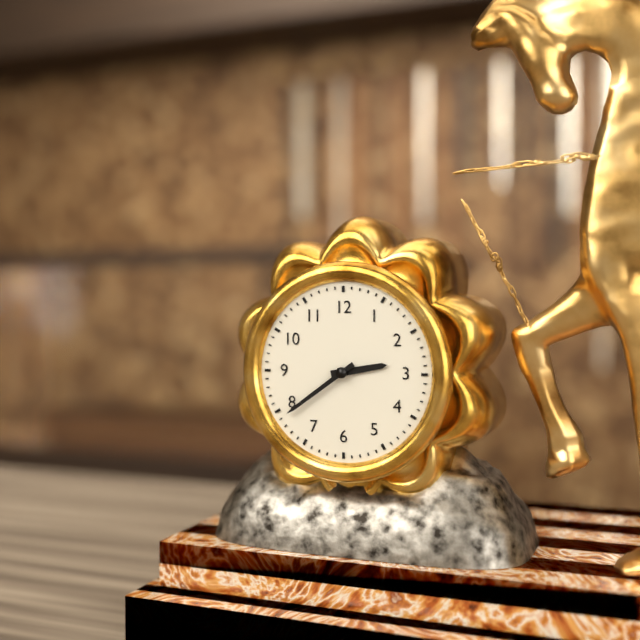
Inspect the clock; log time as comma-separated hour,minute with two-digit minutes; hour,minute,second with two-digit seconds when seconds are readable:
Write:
2,39
